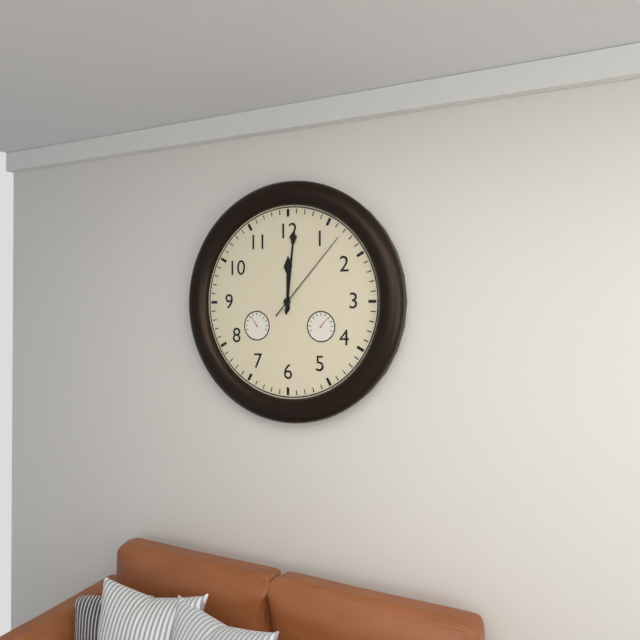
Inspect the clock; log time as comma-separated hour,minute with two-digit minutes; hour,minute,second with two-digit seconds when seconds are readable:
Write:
12,01,07
